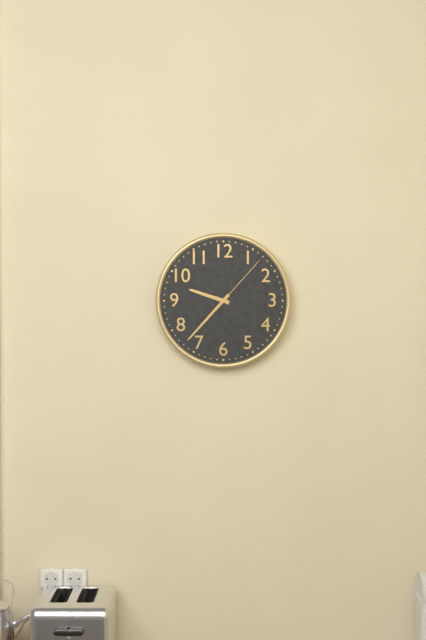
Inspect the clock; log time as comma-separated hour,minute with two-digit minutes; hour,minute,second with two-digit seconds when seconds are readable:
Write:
9,37,07
